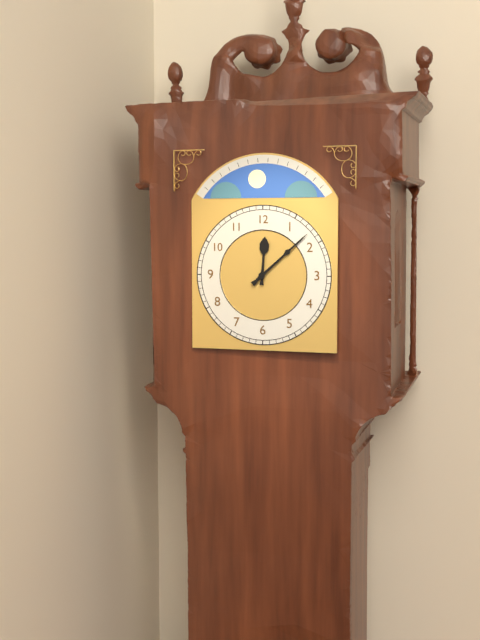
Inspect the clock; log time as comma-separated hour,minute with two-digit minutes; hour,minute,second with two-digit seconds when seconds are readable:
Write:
12,08
